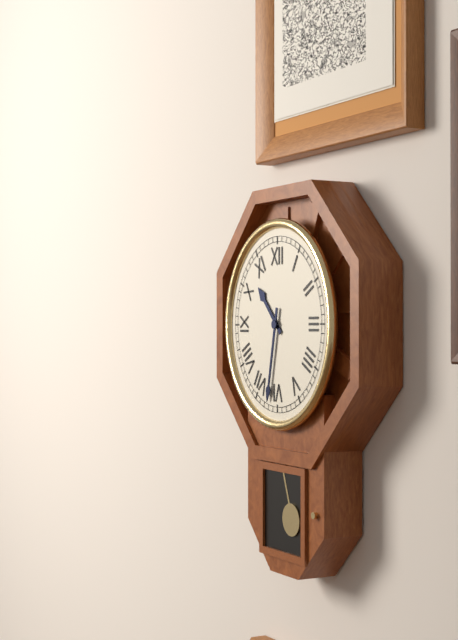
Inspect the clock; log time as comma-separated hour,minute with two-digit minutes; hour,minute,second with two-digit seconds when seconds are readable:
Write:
10,32
